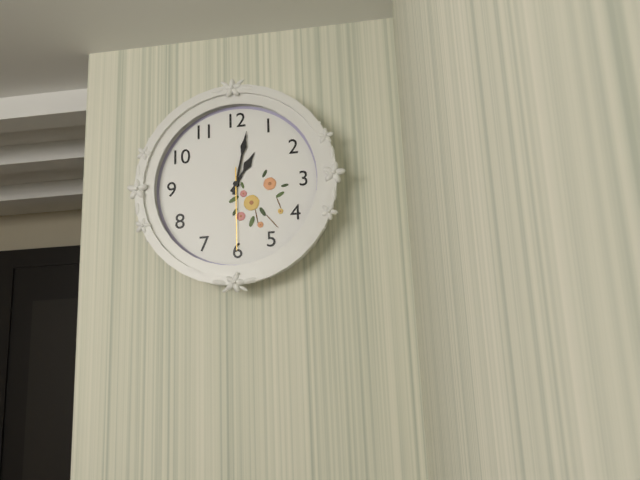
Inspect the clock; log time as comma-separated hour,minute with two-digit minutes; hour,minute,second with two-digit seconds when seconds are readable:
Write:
1,02,30
